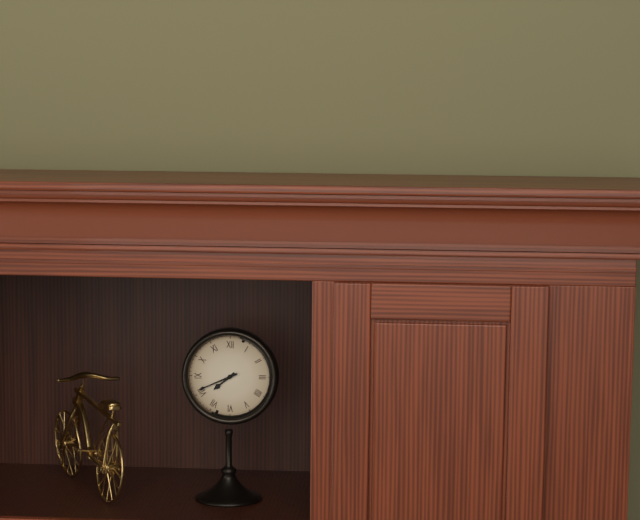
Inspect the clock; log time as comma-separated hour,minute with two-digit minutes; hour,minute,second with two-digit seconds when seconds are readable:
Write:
7,41
